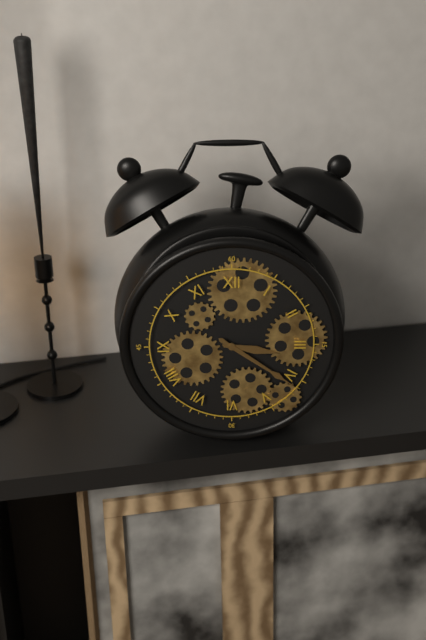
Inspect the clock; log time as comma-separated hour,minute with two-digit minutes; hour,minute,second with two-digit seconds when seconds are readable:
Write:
3,21
